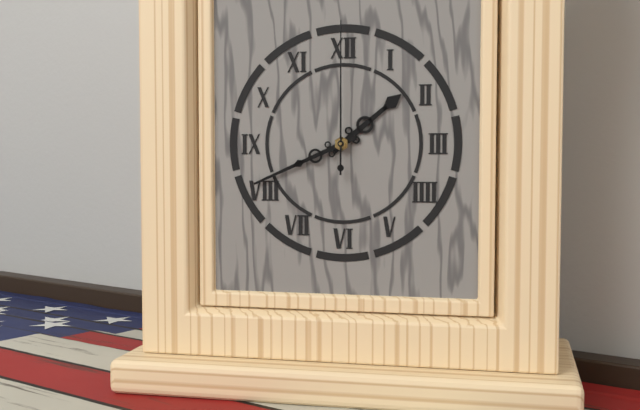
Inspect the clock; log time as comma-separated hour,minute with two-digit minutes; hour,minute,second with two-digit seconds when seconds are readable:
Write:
1,41,00
